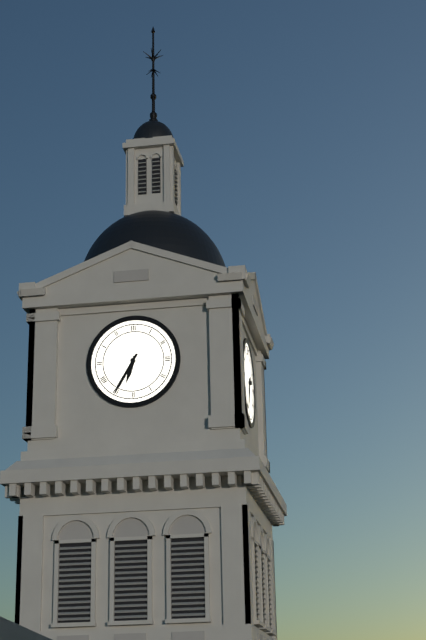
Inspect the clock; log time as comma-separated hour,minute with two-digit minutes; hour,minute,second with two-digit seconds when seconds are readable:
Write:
6,35
